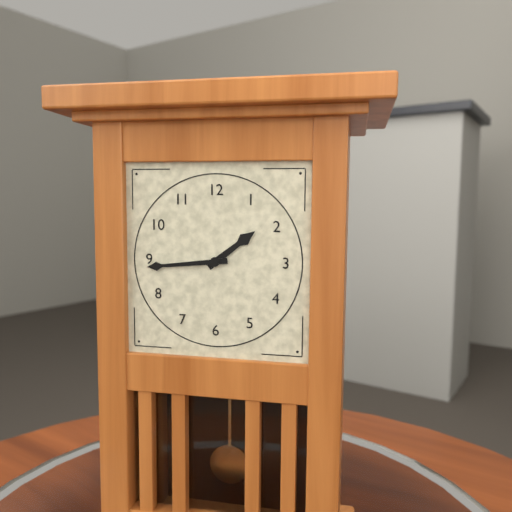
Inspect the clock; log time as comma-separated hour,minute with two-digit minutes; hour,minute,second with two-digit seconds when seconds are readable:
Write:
1,44
